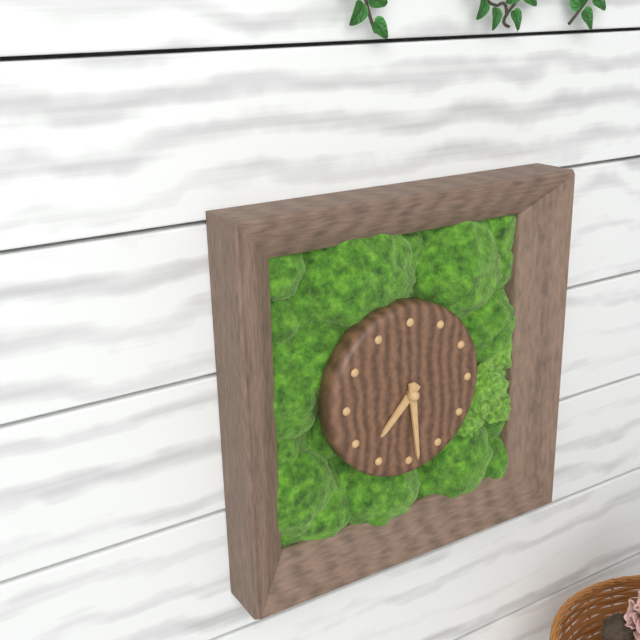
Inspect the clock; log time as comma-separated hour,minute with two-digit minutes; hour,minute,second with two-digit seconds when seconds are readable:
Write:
7,29
